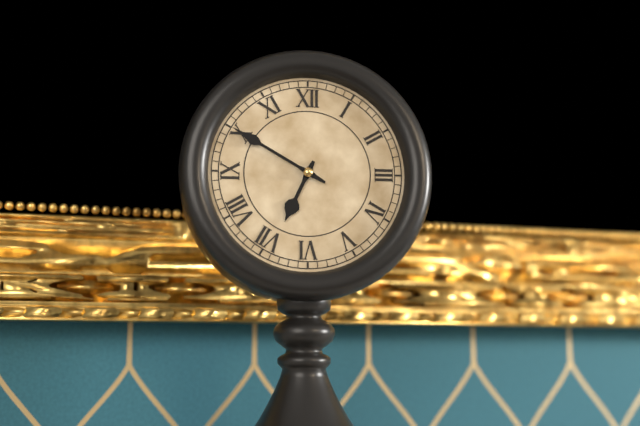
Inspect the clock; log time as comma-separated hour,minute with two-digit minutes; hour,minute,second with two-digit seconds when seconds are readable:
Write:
6,50
